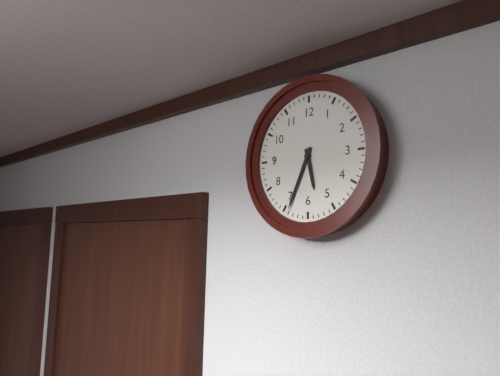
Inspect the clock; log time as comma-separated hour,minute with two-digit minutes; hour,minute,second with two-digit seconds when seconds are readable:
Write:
5,34
